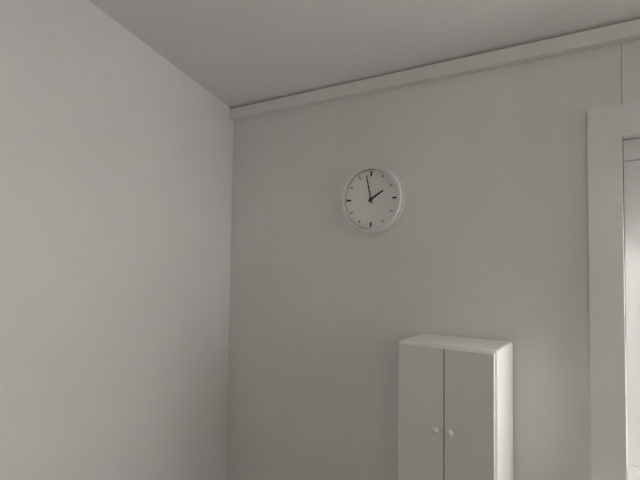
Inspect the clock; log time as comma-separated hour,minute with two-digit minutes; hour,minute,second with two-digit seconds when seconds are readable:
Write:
1,58
